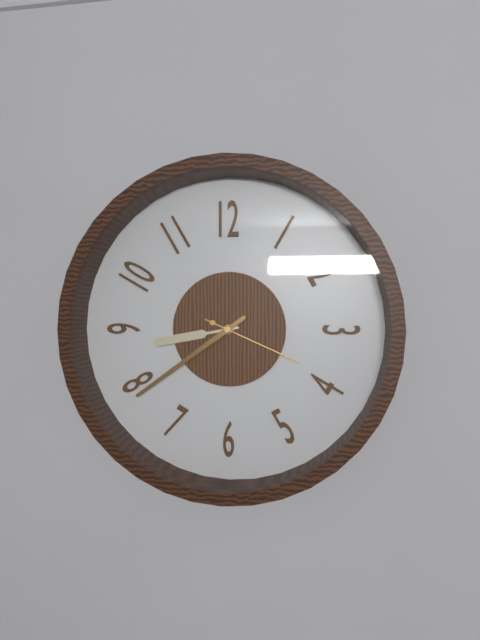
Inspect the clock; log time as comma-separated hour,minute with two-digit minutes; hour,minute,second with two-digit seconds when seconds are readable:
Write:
8,39,19
